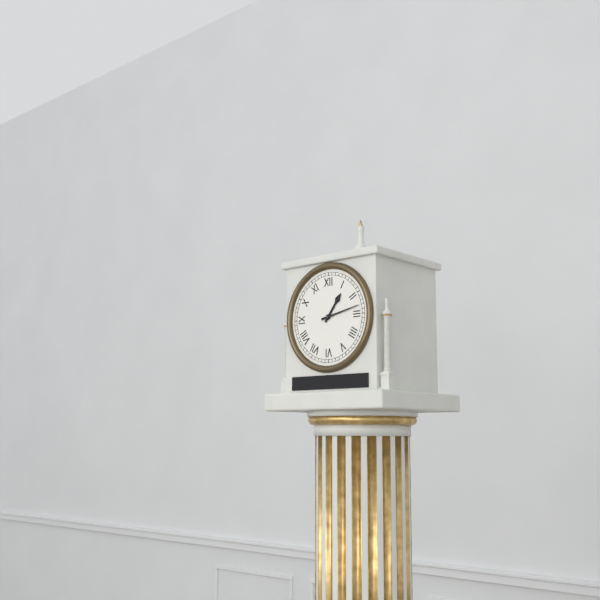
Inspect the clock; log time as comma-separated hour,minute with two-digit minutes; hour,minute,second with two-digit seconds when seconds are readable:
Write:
1,13
